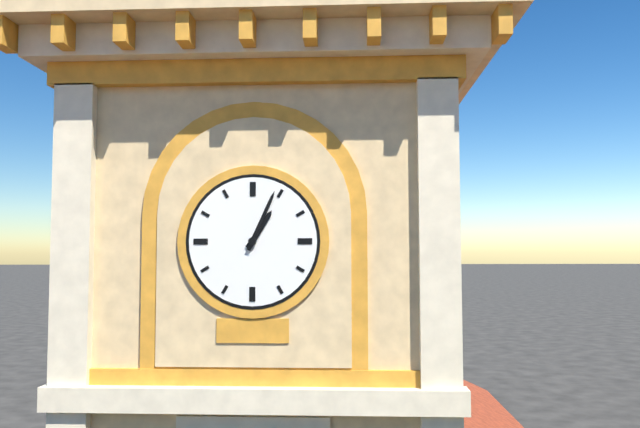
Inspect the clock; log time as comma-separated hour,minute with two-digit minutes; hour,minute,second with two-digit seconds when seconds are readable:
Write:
1,04
